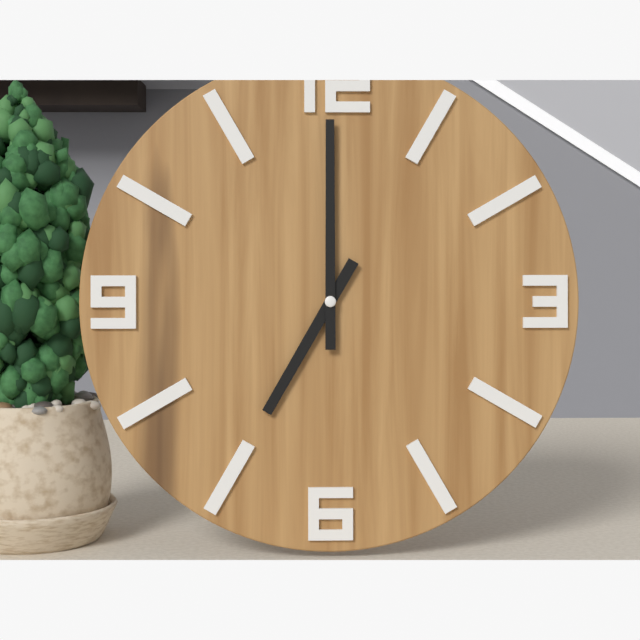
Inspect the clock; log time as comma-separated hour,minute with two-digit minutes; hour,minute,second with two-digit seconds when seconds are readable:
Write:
7,00
